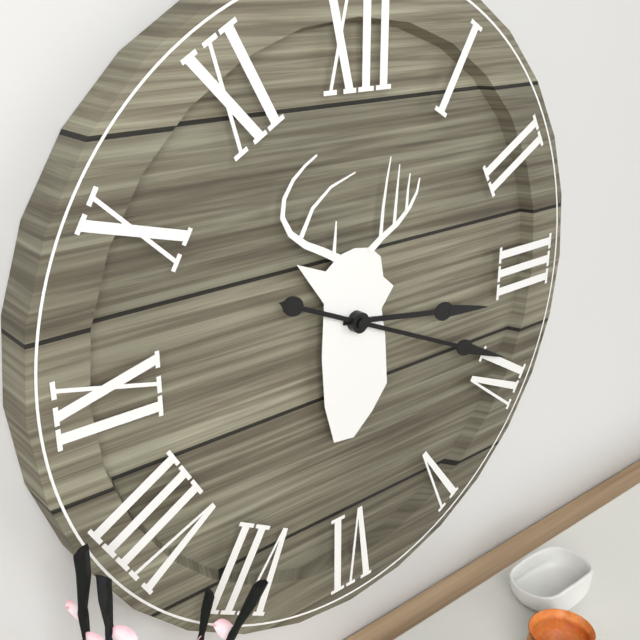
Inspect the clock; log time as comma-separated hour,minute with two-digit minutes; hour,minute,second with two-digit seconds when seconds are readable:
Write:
3,19
